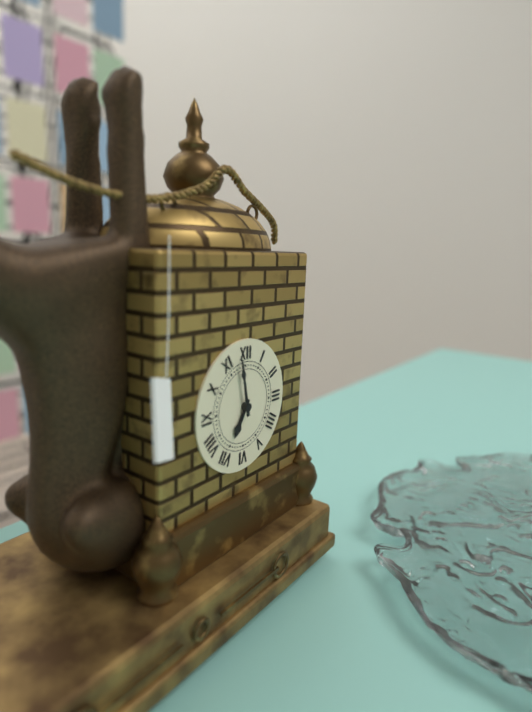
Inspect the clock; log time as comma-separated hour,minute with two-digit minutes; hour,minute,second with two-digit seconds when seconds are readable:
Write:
6,58
